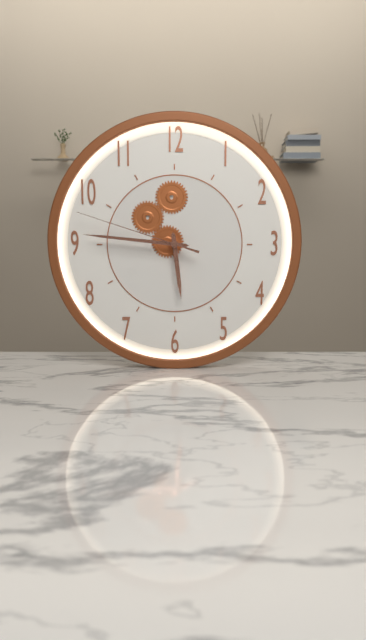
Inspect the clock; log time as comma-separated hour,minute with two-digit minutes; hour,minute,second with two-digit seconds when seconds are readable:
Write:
5,46,48
